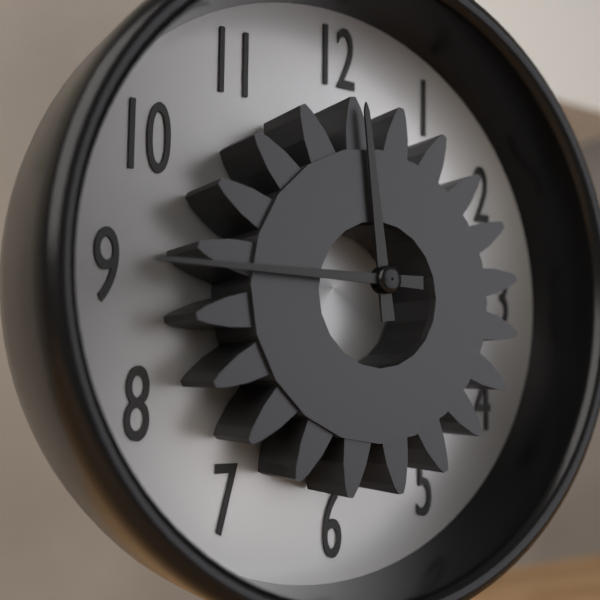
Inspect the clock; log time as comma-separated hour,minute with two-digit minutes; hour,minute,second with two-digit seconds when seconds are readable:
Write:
11,45
